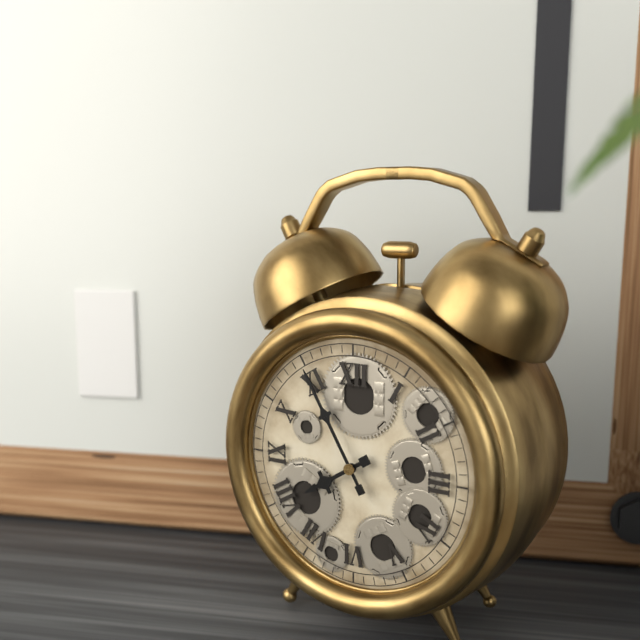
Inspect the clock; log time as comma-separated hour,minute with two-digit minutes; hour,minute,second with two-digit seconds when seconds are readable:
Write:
7,55
